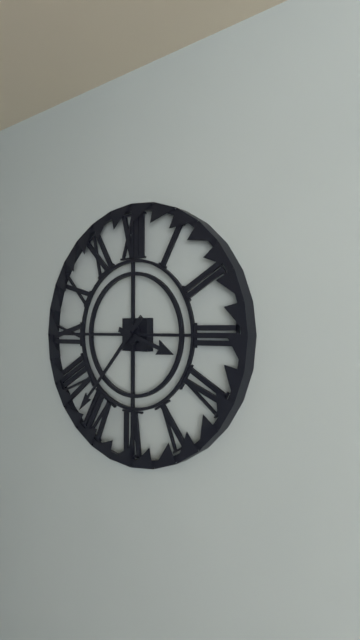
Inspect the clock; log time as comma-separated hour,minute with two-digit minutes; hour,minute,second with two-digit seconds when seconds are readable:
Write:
3,37
